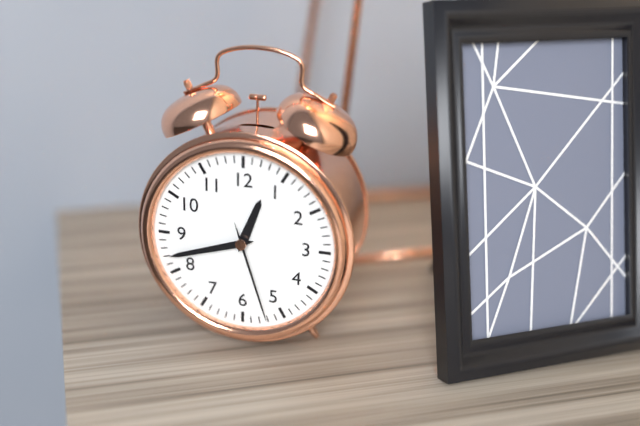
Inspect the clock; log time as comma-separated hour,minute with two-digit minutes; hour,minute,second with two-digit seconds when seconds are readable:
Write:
12,42,27
